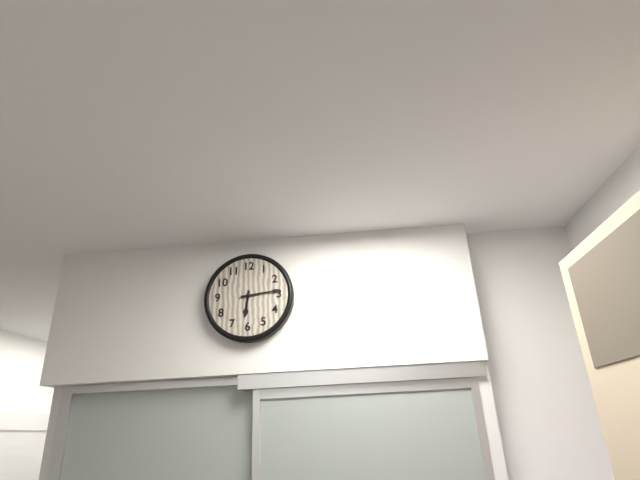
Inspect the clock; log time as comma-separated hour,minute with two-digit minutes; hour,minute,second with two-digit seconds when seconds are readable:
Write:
6,14
